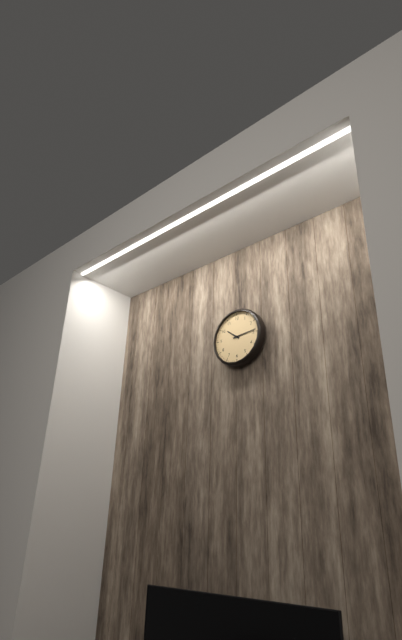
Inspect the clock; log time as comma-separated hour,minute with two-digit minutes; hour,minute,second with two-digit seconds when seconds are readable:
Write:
10,14
